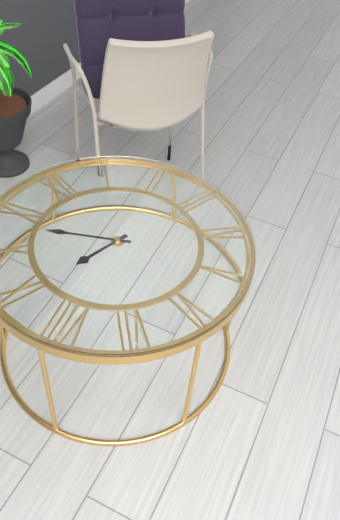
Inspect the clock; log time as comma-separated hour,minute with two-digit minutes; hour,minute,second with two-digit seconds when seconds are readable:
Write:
8,53
